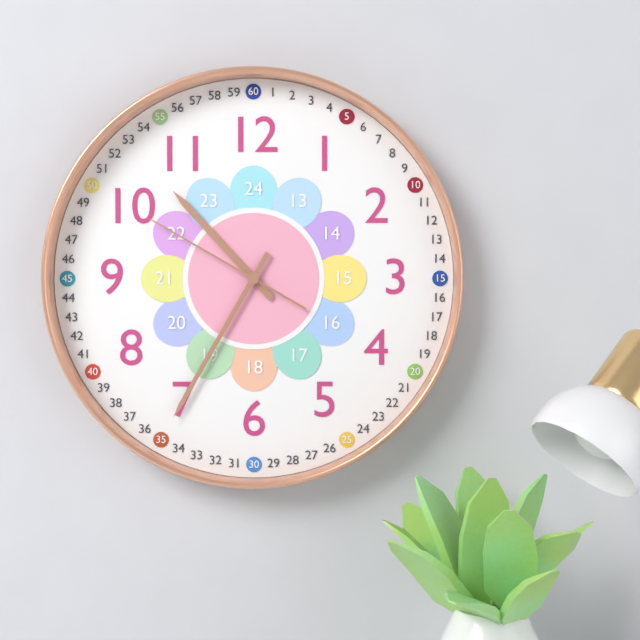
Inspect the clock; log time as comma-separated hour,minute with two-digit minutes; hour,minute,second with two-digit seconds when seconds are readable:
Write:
10,35,50
